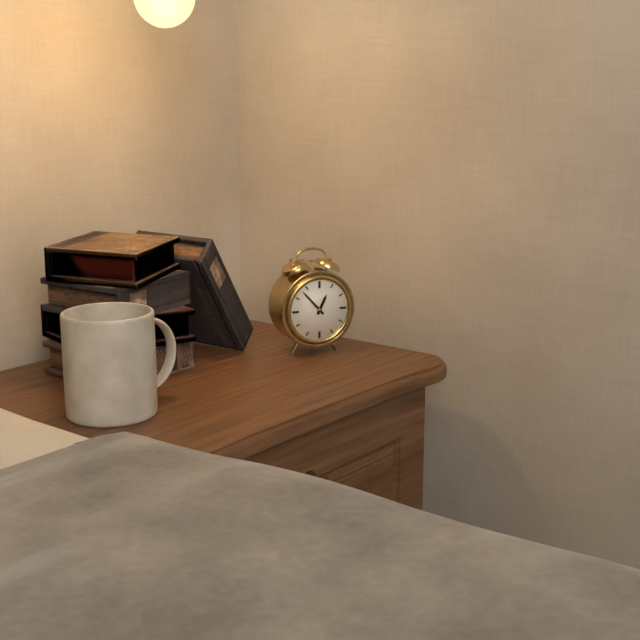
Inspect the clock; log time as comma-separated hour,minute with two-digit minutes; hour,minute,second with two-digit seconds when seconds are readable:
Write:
12,53
